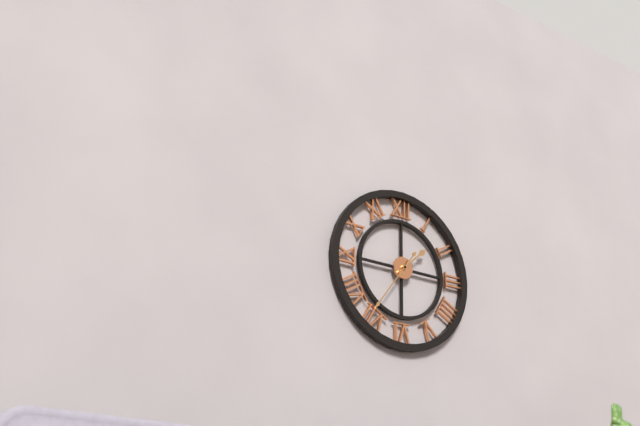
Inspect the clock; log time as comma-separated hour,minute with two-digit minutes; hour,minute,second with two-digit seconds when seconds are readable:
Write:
1,36
